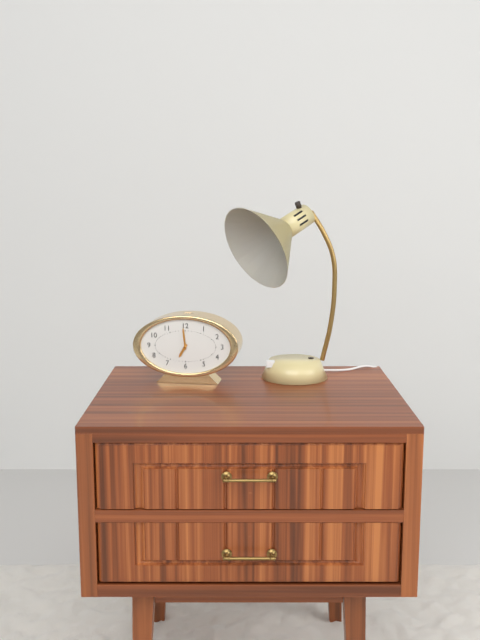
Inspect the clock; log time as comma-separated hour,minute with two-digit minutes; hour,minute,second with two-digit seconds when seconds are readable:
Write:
6,59
